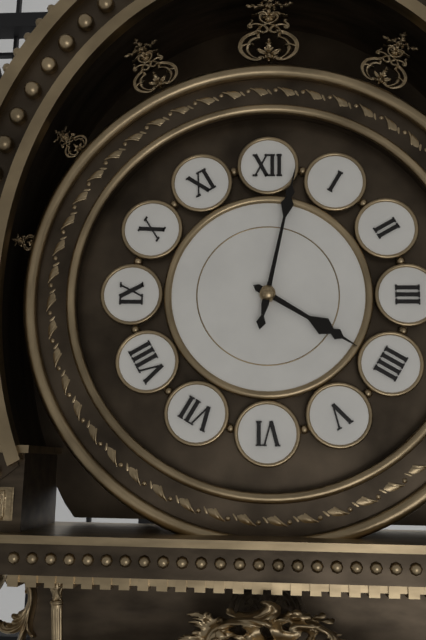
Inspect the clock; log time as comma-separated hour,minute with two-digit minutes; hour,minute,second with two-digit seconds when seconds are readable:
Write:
4,02
